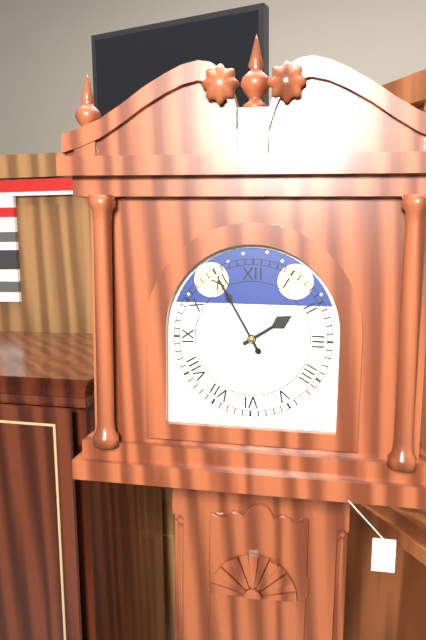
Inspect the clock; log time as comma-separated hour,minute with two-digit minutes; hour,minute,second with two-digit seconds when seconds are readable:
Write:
1,55
